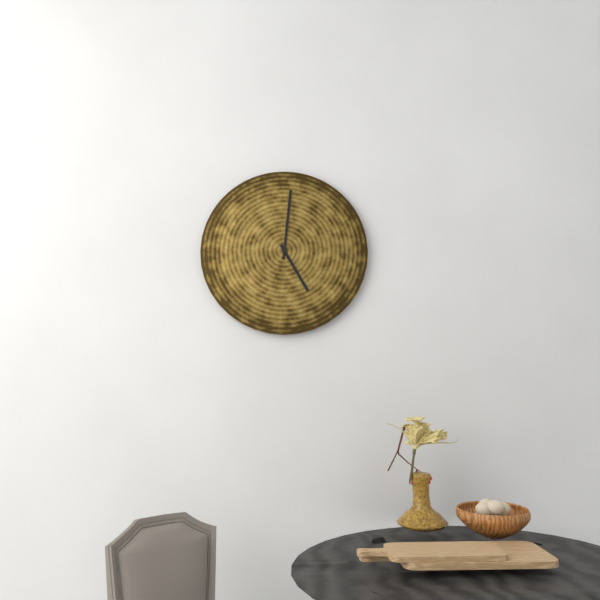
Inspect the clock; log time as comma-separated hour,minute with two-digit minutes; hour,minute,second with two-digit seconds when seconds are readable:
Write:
5,01
